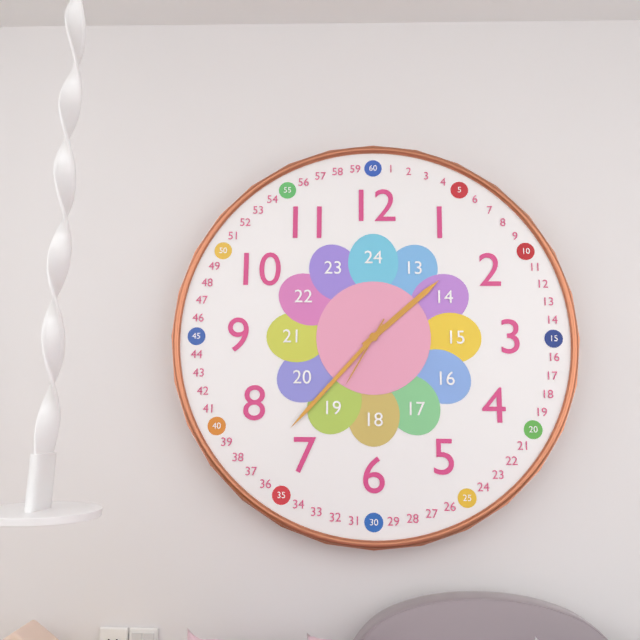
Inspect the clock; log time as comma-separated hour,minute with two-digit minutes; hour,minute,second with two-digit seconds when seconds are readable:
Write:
1,37,35
